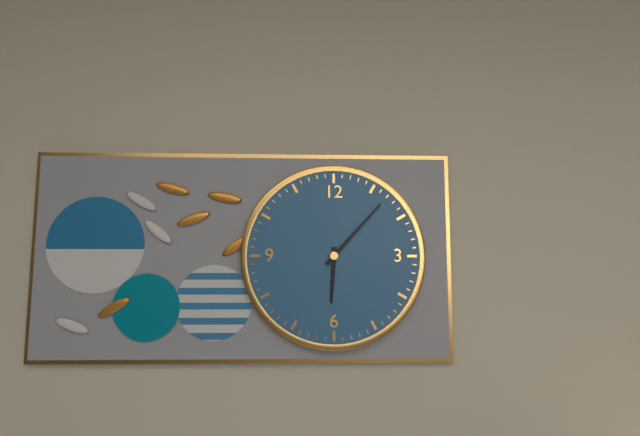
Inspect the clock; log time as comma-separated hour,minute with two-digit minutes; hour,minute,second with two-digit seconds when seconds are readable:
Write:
6,07
